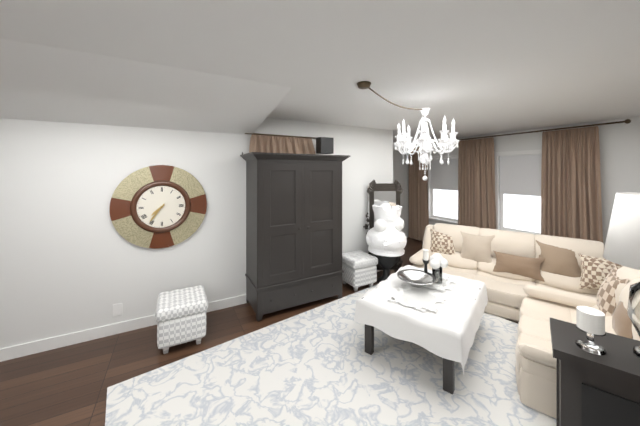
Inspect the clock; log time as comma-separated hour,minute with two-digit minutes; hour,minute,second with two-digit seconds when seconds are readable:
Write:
7,36
